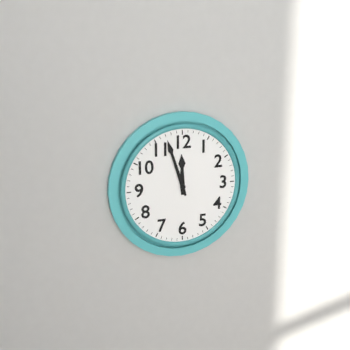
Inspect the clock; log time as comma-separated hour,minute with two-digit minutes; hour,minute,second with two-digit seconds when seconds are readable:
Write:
11,57
